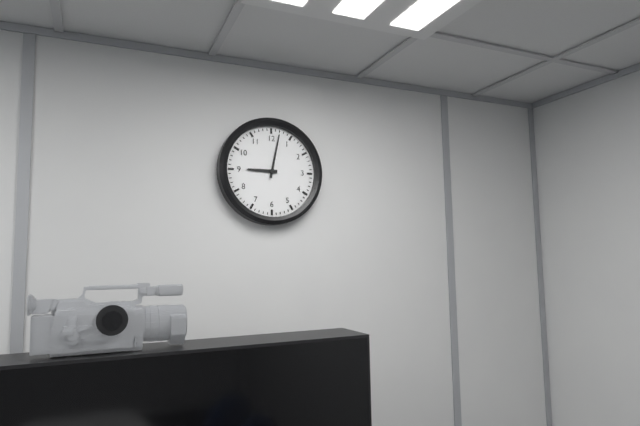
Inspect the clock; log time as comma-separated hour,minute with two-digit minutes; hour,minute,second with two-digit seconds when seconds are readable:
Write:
9,02
